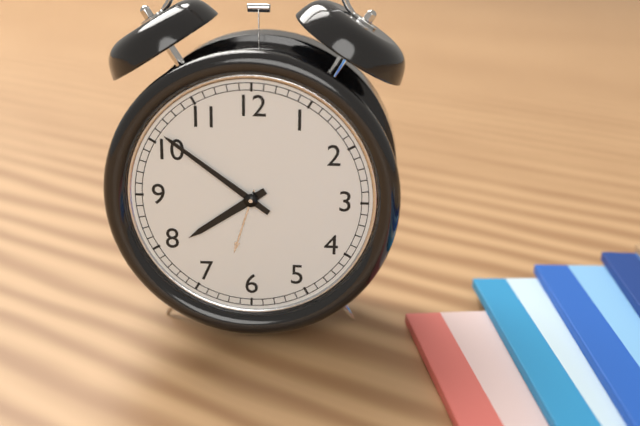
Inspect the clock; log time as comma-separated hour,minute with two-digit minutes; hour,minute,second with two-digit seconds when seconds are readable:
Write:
7,51
